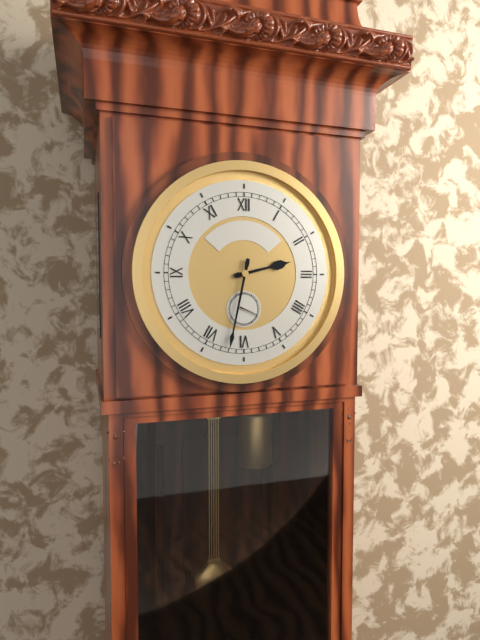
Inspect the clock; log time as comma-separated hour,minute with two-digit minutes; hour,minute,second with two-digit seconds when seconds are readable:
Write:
2,32
